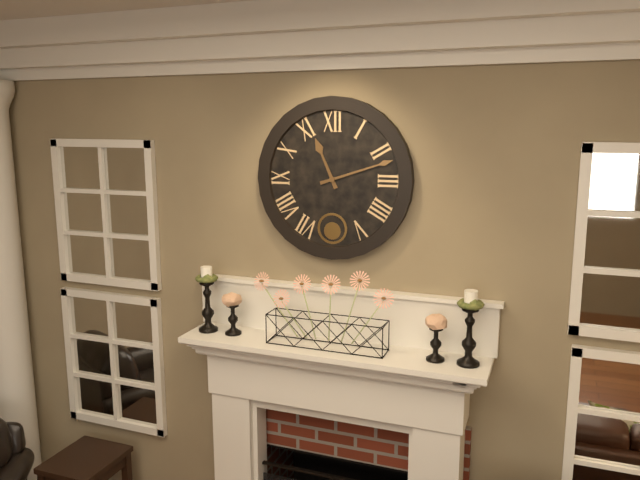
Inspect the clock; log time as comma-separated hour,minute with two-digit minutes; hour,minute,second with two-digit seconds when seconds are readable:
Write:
11,12
